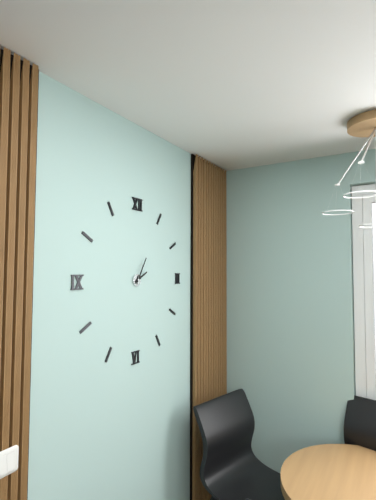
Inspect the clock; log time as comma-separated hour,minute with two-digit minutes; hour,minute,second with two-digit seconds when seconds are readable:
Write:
2,05
